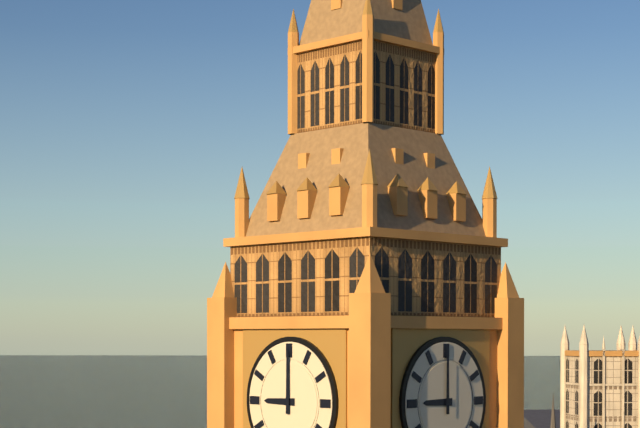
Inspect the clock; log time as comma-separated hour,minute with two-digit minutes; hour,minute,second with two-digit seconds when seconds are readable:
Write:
9,00
